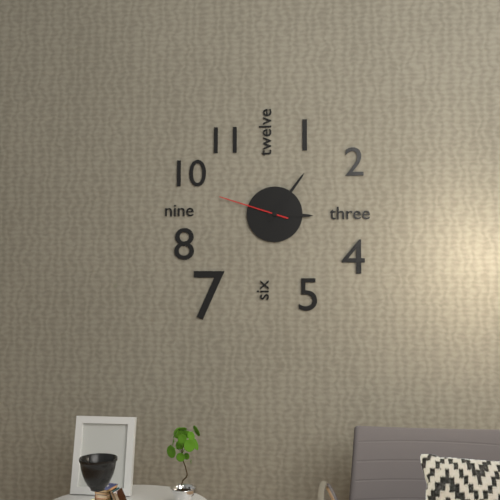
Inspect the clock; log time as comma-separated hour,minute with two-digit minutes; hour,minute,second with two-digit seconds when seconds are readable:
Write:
3,06,48
